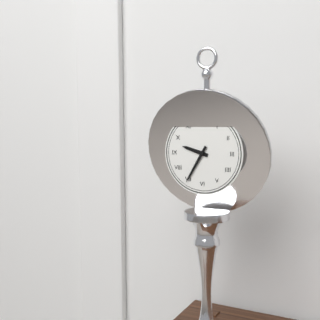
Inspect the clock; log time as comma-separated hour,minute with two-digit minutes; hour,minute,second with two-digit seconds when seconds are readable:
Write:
9,35
